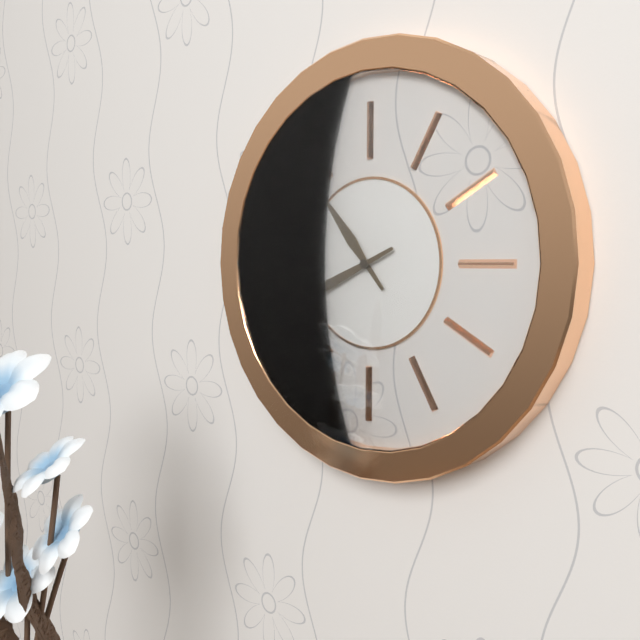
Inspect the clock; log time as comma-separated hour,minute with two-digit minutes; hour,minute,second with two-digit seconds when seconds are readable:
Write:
10,41
